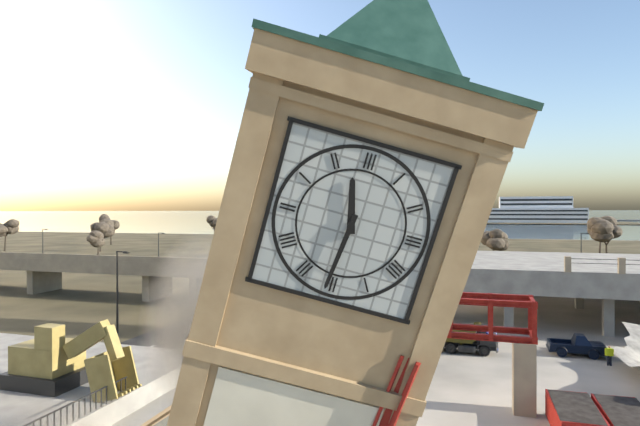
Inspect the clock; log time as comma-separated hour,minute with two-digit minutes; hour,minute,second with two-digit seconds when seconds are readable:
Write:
11,31
